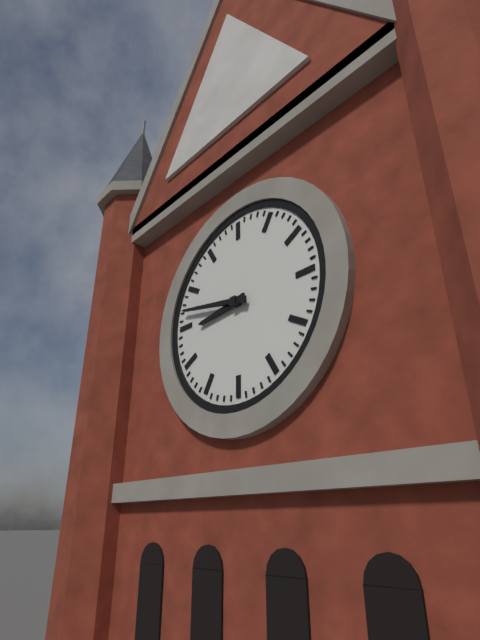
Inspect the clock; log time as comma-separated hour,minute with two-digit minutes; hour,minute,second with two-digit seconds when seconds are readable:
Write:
8,47
